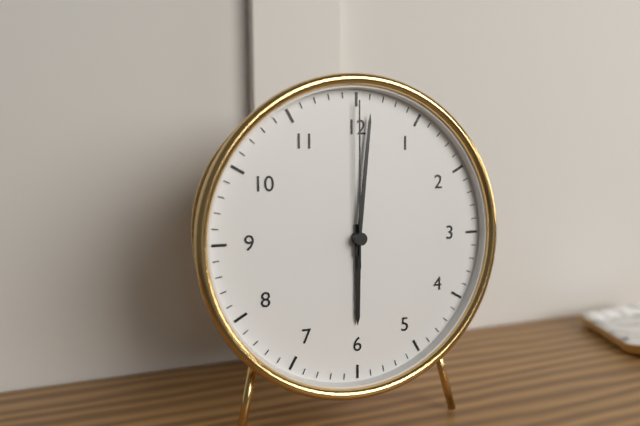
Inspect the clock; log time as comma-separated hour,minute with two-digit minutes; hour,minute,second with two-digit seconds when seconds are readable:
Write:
6,01,00
